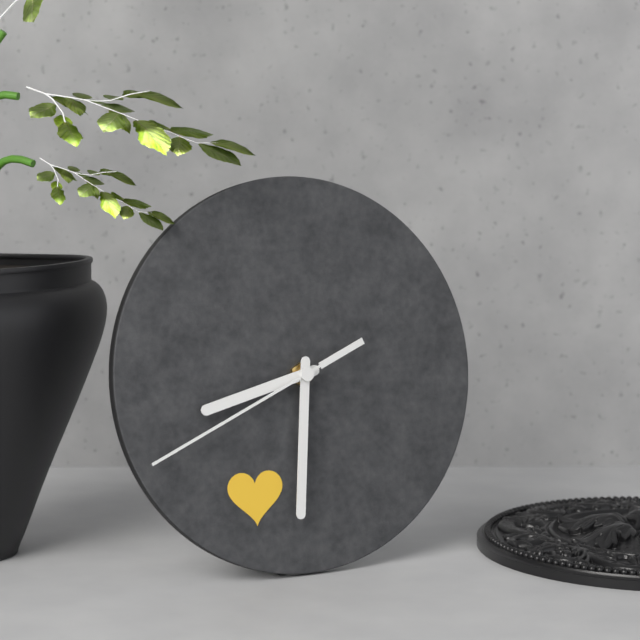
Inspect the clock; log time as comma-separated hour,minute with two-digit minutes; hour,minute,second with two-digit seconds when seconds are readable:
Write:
8,31,41
